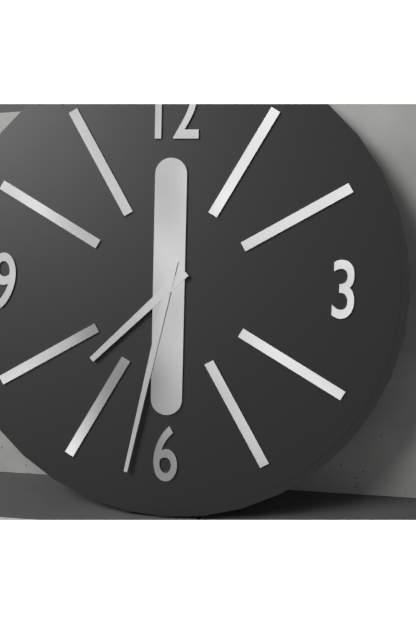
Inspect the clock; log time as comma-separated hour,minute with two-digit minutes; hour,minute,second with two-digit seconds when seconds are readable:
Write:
7,32
